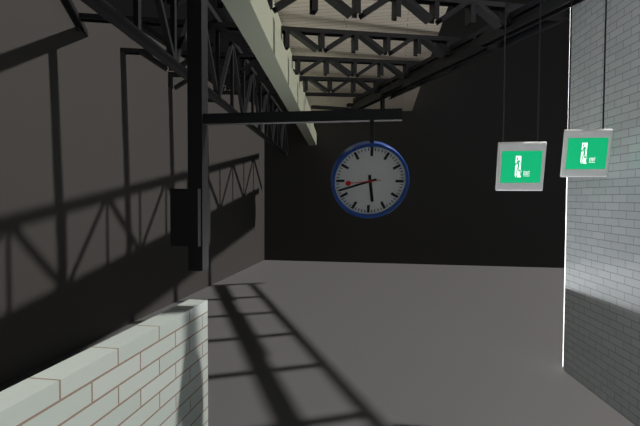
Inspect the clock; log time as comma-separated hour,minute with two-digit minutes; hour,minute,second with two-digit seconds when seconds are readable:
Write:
5,42
